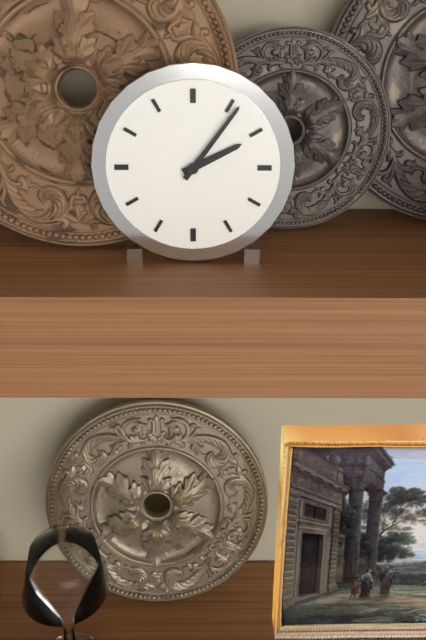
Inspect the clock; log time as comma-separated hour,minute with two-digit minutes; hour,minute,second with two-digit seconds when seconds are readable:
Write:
2,06
